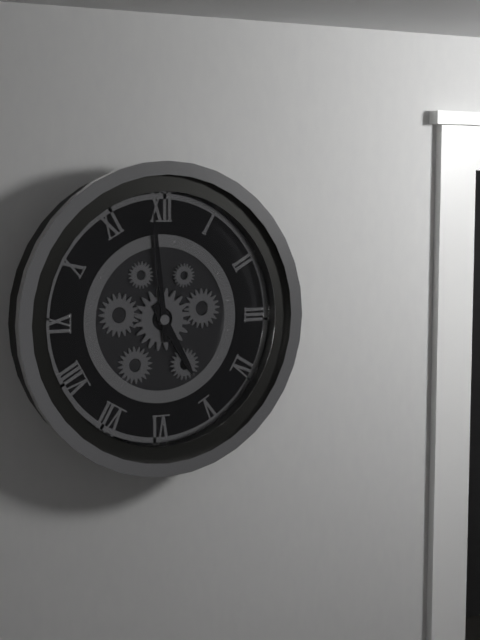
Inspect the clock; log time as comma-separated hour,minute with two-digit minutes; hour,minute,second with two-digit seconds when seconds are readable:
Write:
4,59
